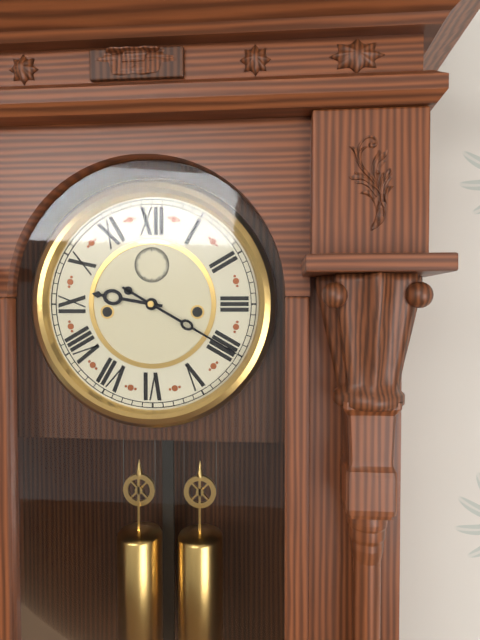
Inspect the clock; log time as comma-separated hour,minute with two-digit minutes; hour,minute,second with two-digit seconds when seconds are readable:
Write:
9,20
